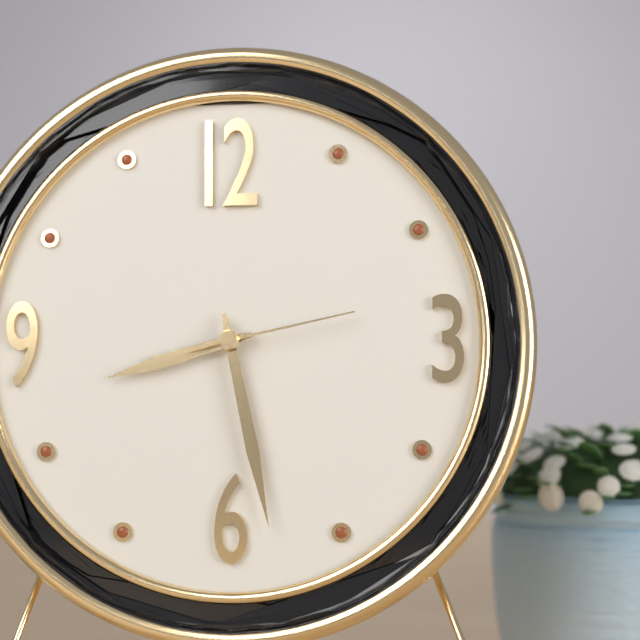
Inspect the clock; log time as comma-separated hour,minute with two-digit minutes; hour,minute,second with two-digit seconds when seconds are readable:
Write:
8,28,13
